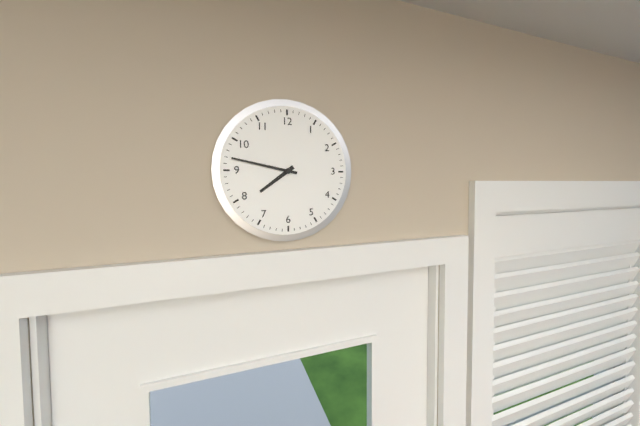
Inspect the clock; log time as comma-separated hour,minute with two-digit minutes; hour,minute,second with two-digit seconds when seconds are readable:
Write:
7,47
